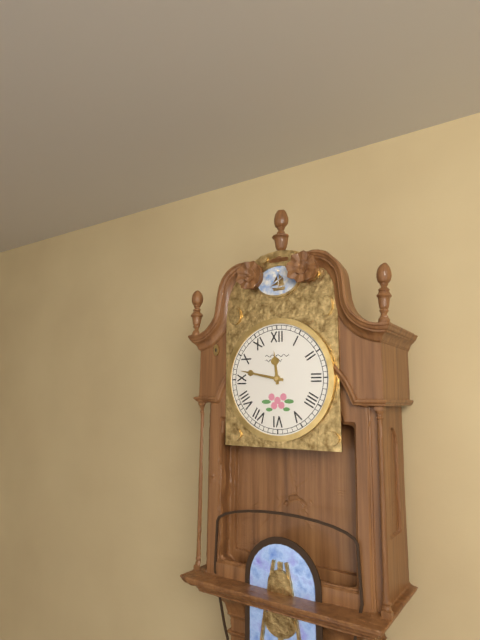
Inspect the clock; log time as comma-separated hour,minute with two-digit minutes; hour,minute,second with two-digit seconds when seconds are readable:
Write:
11,47
